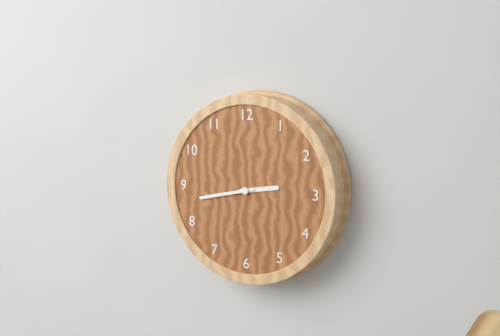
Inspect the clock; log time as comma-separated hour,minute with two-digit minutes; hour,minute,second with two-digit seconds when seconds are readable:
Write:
2,43
